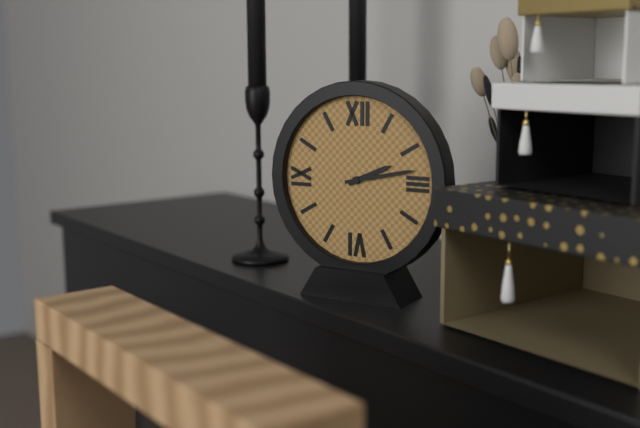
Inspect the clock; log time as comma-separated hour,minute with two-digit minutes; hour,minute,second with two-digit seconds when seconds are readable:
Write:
2,13
